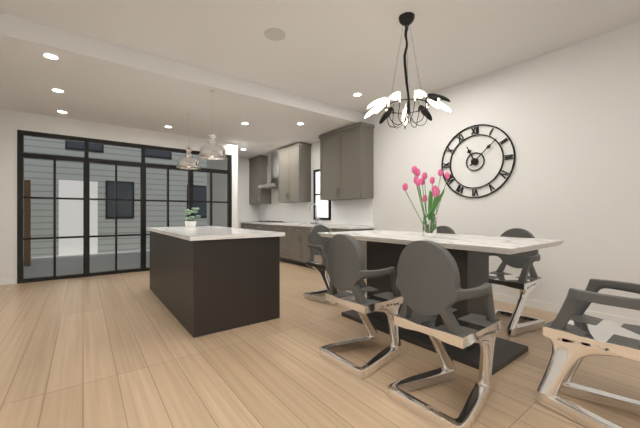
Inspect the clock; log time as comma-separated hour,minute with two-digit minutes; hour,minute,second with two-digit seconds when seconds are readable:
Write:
11,08
